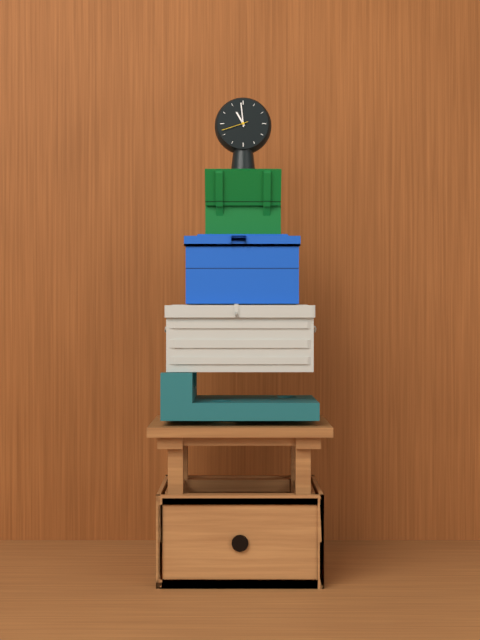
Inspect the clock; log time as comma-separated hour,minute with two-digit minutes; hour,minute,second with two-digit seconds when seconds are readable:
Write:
10,59
